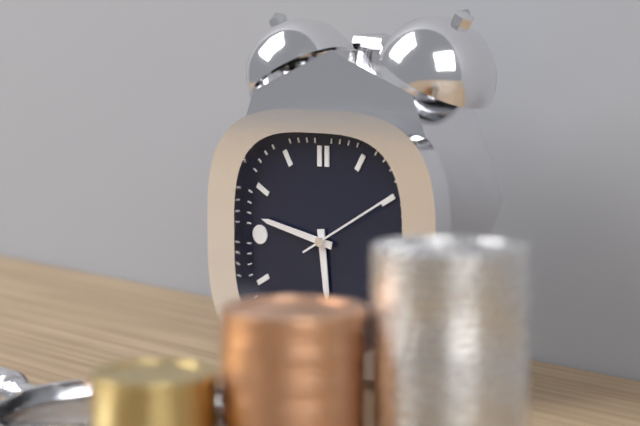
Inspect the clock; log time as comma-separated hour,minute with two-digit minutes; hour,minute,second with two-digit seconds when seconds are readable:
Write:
5,47,10
